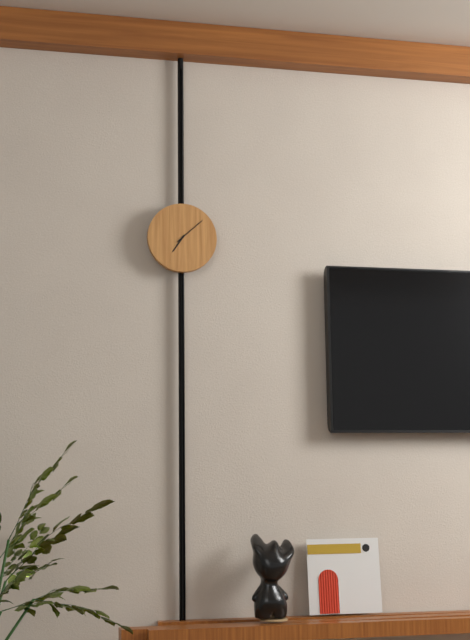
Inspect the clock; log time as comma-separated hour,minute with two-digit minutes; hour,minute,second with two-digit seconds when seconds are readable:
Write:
7,08
